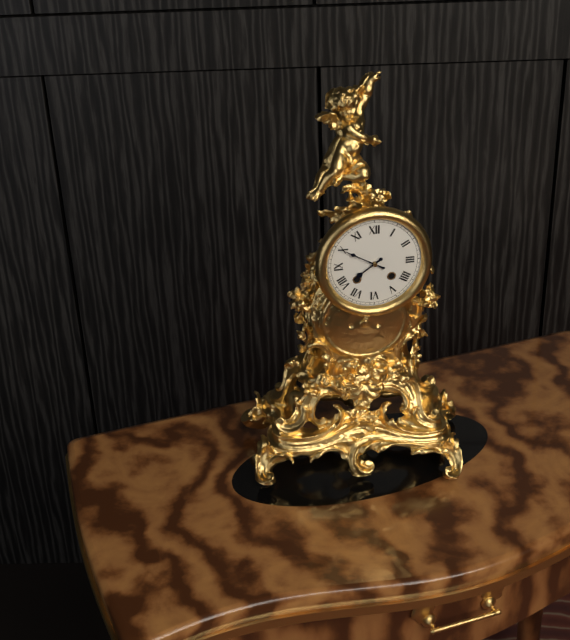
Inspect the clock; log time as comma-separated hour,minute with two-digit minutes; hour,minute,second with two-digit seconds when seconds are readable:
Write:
7,50
